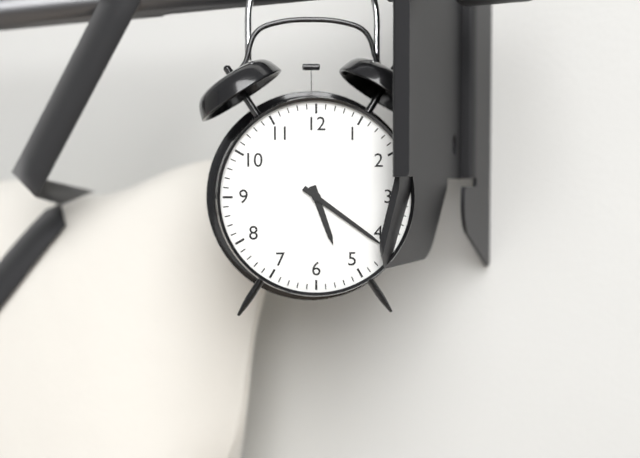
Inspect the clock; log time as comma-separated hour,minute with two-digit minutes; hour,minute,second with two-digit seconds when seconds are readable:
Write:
5,21
